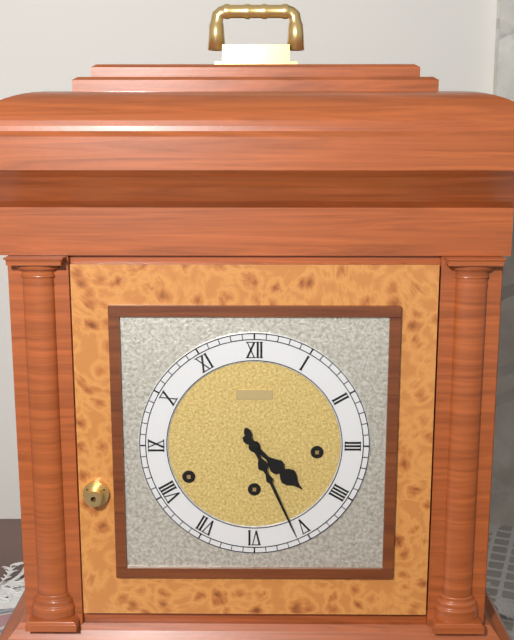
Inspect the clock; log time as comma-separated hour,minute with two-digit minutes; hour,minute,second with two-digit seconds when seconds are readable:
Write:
4,26
